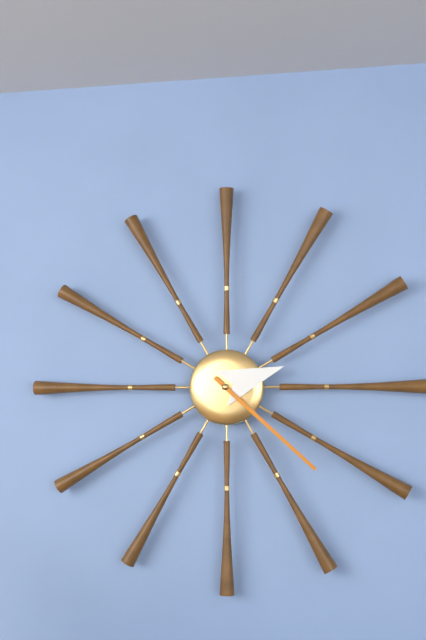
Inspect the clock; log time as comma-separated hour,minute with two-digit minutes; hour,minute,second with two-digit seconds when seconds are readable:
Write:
2,22
